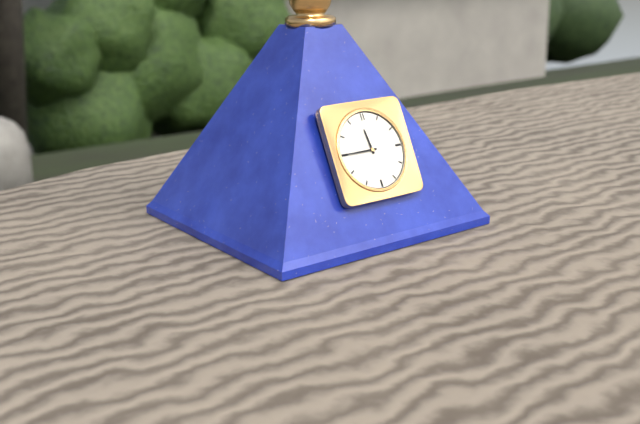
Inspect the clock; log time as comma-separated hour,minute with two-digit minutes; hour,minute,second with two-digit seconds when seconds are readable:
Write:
11,45
